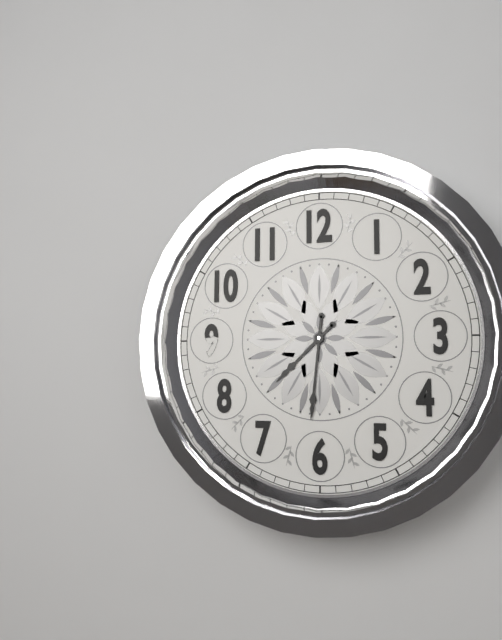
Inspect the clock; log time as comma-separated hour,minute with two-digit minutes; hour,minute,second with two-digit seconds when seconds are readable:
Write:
7,31
